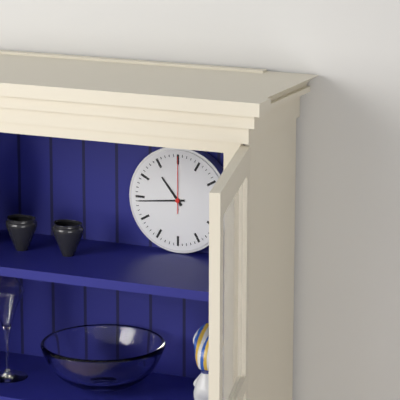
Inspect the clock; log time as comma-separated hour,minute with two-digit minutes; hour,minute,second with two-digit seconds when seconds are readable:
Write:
10,44,00
